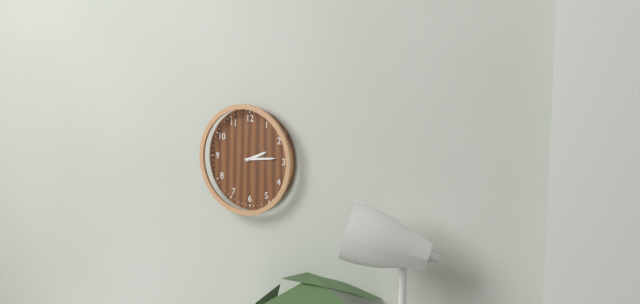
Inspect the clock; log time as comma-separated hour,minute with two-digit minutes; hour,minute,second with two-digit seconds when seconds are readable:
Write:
2,14
